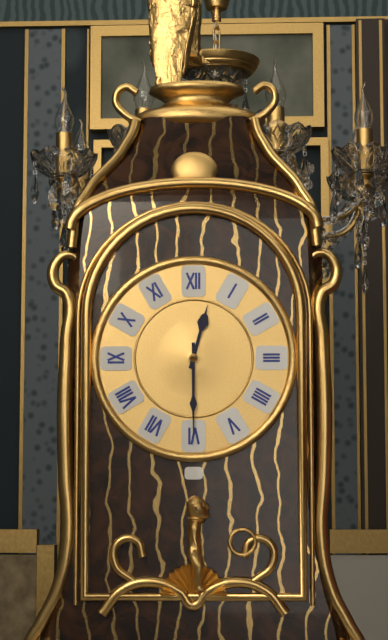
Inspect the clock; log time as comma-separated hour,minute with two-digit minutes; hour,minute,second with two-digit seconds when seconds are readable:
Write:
12,30
